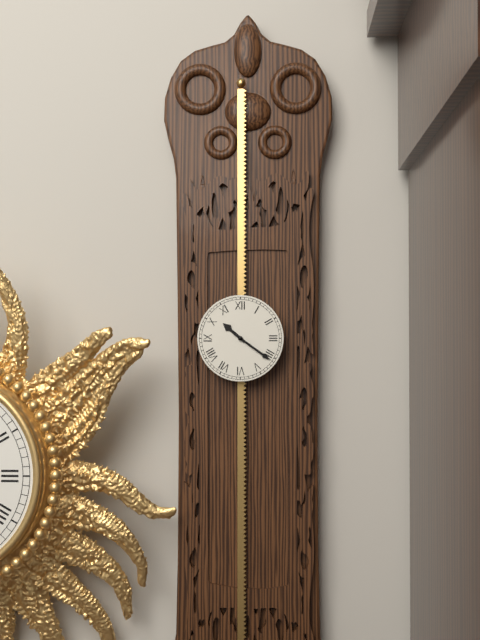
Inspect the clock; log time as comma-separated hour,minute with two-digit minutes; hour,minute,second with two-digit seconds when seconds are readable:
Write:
10,21
